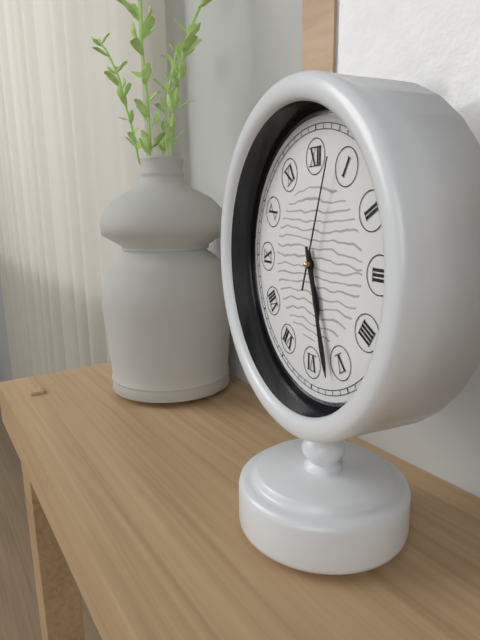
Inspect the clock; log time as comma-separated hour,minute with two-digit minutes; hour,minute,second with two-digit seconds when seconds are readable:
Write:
5,27,03
